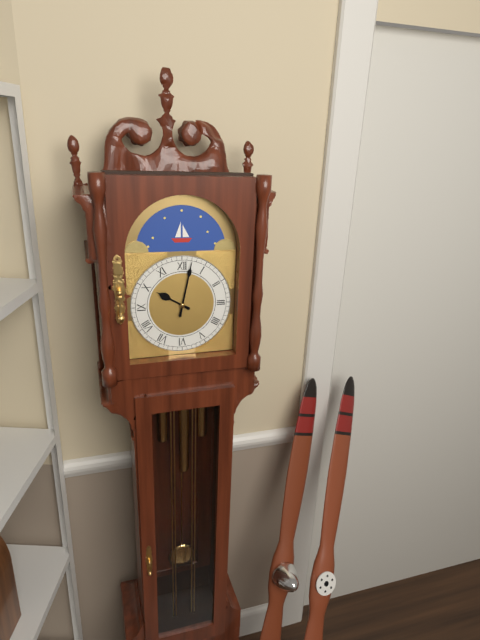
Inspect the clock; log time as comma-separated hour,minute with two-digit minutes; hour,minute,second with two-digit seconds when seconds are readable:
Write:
10,02
